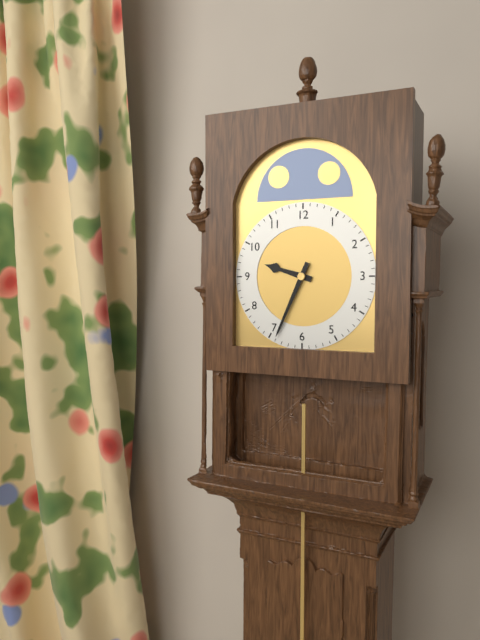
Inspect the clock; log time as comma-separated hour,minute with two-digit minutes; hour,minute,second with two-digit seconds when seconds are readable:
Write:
9,34
